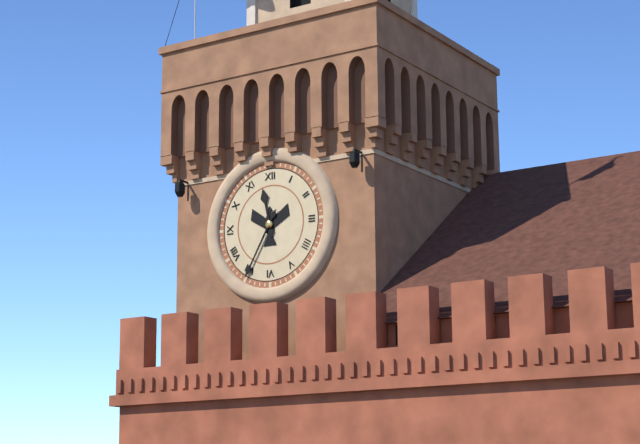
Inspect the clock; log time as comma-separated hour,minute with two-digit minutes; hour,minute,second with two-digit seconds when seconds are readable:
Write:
11,35
